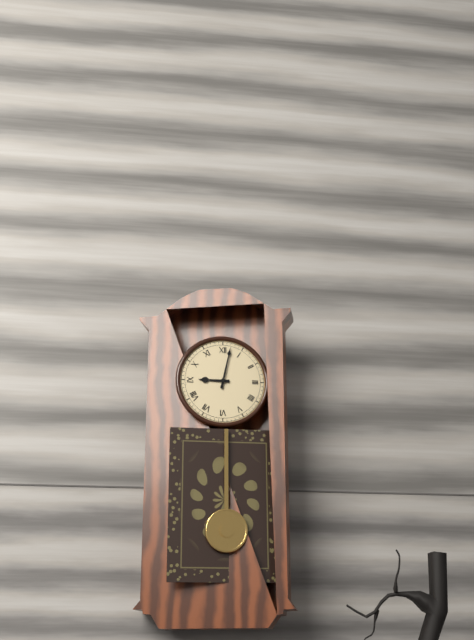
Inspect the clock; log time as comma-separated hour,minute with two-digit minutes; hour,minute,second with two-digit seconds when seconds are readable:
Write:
9,02
